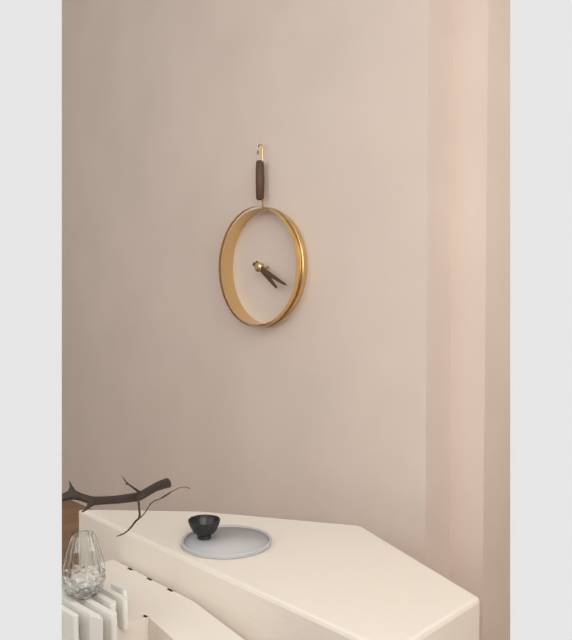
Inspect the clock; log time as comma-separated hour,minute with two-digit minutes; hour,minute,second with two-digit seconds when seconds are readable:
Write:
4,19
